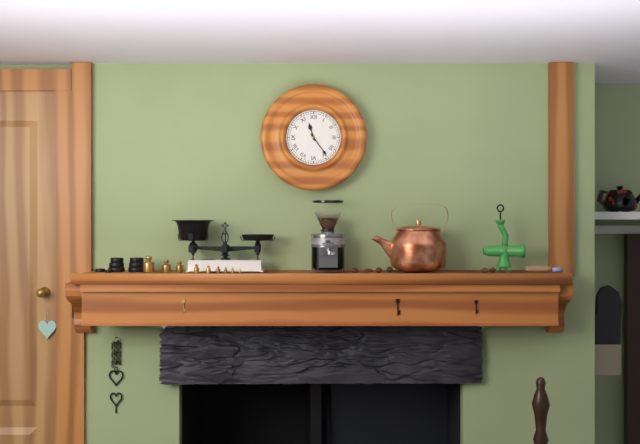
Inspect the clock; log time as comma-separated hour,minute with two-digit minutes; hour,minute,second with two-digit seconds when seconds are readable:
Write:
11,24
